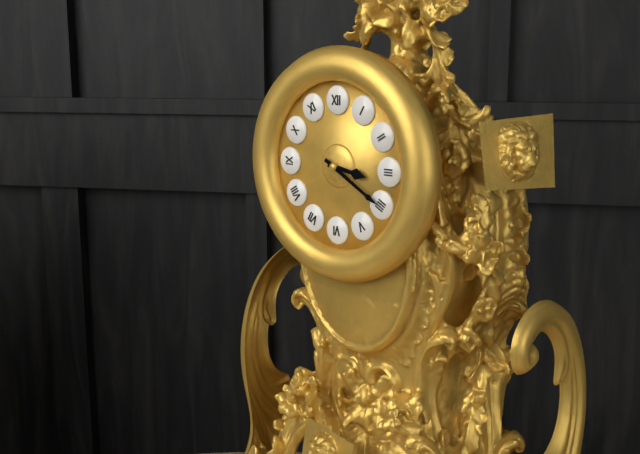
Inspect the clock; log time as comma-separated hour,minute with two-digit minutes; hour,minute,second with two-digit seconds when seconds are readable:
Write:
3,20
